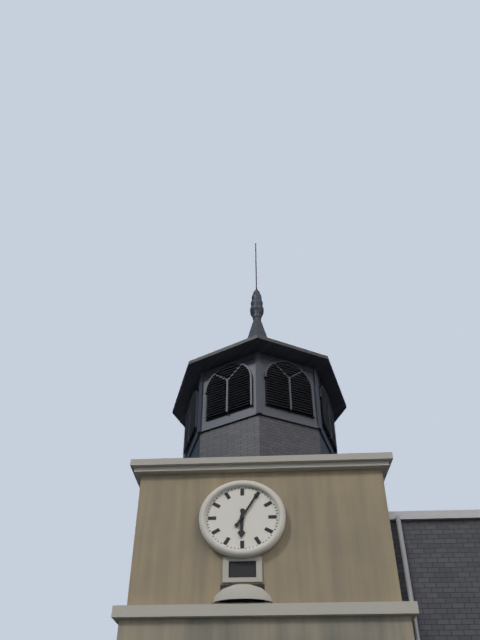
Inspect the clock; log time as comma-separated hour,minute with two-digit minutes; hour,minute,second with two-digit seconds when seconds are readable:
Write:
6,05
